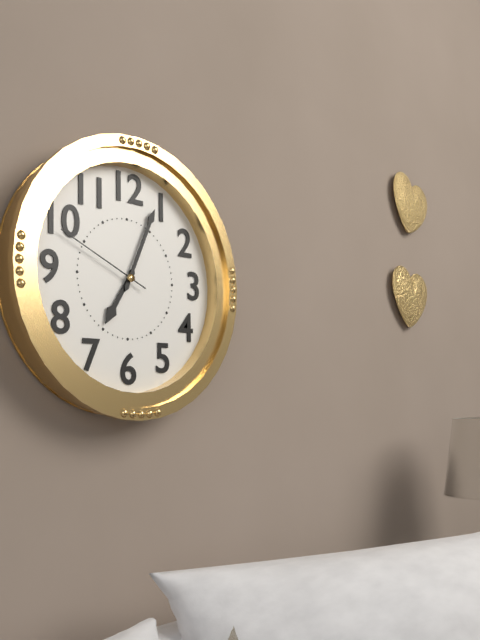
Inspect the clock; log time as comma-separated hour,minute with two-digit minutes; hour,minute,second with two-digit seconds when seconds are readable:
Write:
7,04,49
